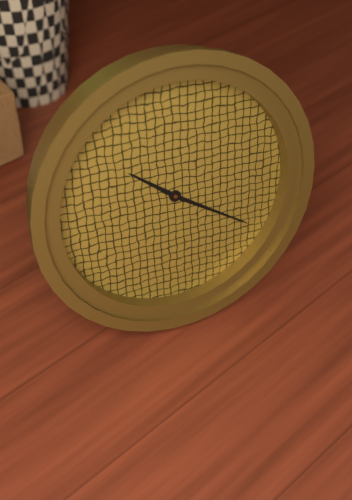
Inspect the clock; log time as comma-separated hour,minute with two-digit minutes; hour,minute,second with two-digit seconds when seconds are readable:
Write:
10,21
